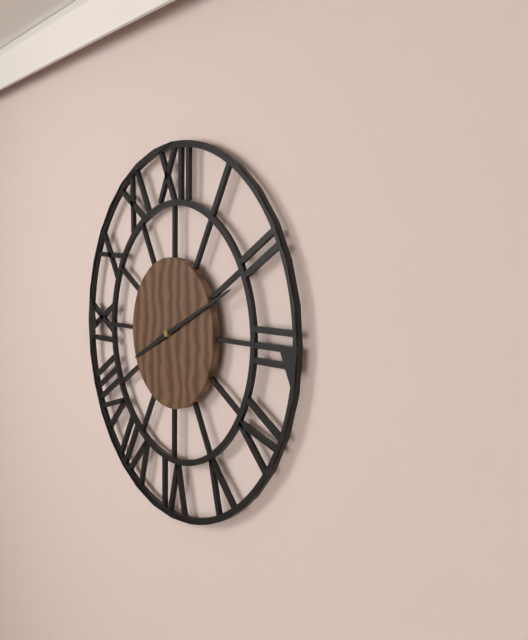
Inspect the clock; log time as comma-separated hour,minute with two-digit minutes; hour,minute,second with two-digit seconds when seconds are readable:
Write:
8,11
